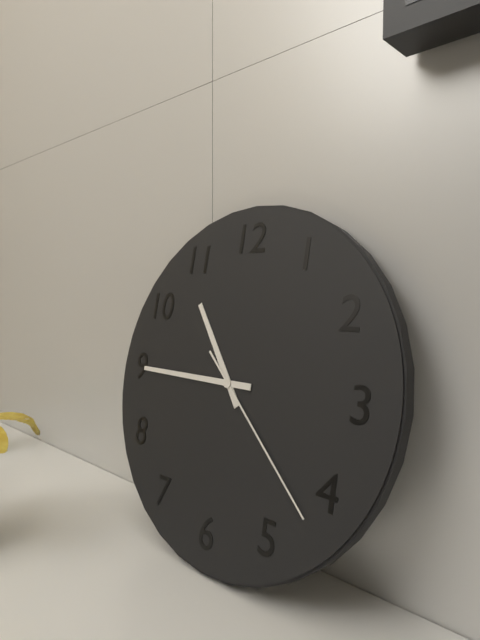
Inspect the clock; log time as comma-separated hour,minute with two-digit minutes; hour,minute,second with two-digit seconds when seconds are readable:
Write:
10,45,22
